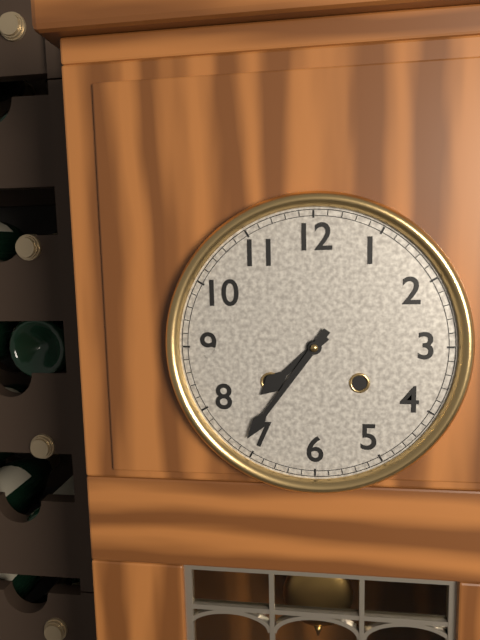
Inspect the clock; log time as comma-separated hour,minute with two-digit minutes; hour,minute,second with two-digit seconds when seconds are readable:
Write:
7,36
